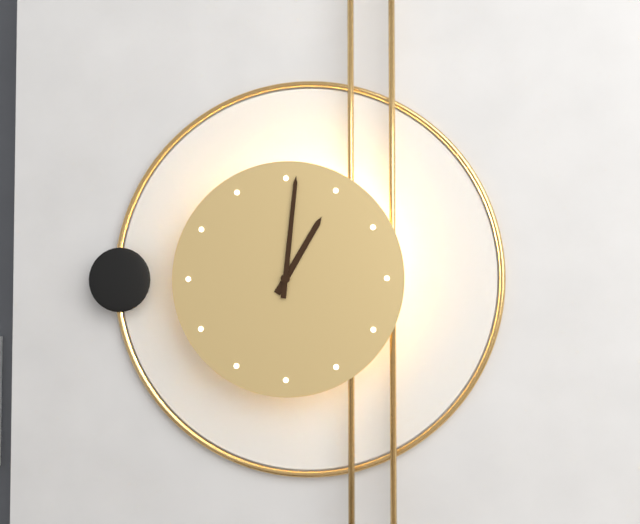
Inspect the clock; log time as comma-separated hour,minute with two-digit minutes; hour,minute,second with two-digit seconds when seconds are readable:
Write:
1,01
